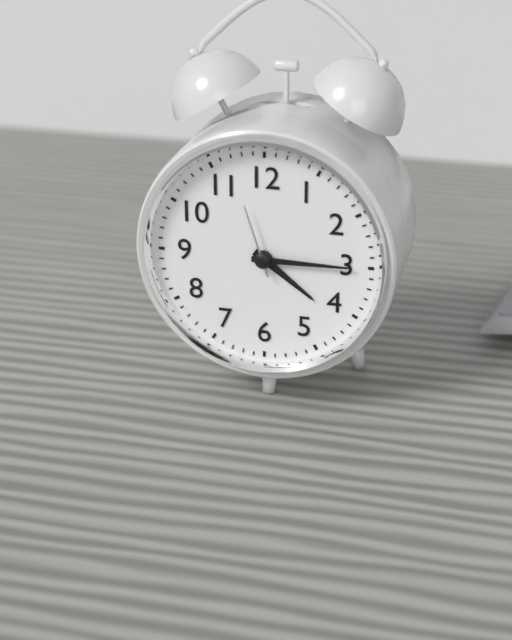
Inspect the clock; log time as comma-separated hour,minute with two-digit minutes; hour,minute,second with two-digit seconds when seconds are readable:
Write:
4,15,57
